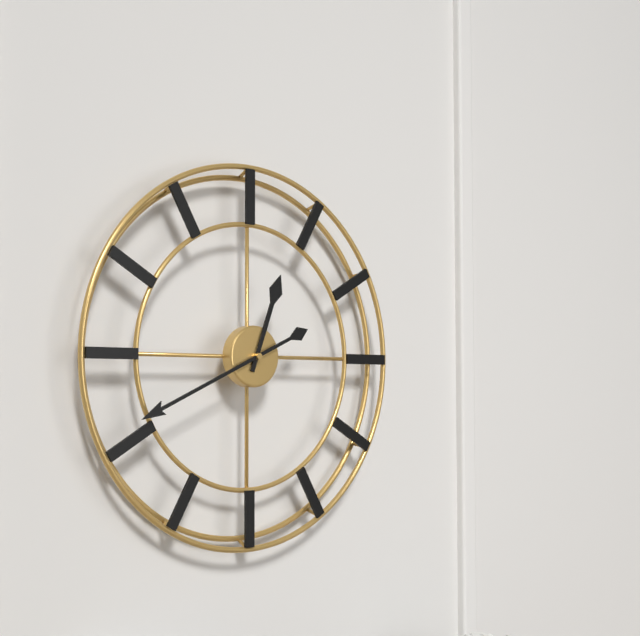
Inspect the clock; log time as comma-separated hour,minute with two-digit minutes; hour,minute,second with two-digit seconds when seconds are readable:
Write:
12,41
